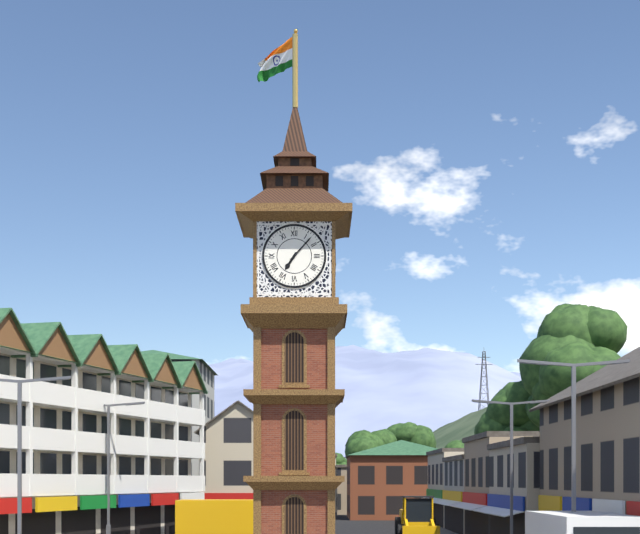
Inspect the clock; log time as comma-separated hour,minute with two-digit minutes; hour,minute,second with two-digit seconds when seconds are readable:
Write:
7,07
